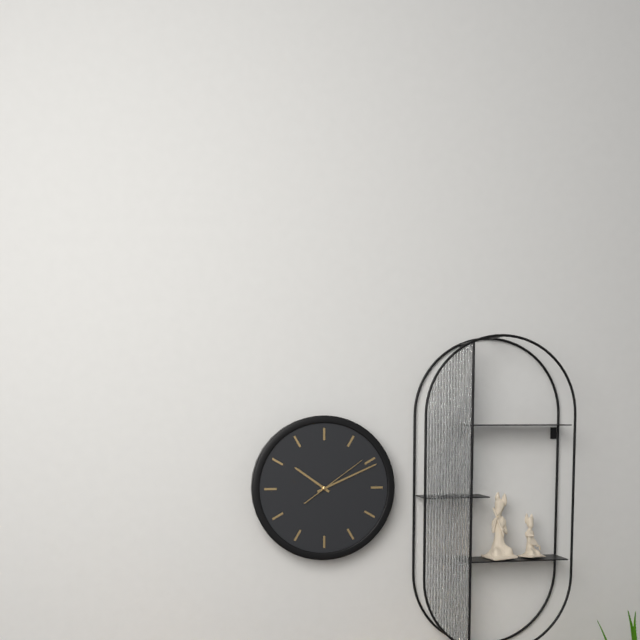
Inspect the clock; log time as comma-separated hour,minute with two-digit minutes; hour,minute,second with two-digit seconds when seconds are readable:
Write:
10,11,09
